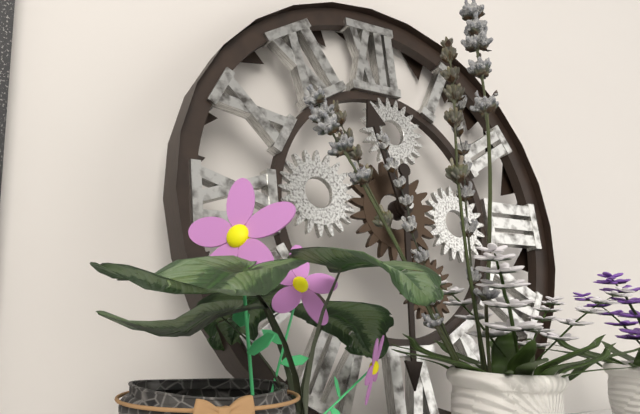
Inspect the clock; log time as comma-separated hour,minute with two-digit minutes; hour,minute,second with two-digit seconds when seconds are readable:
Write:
11,31
